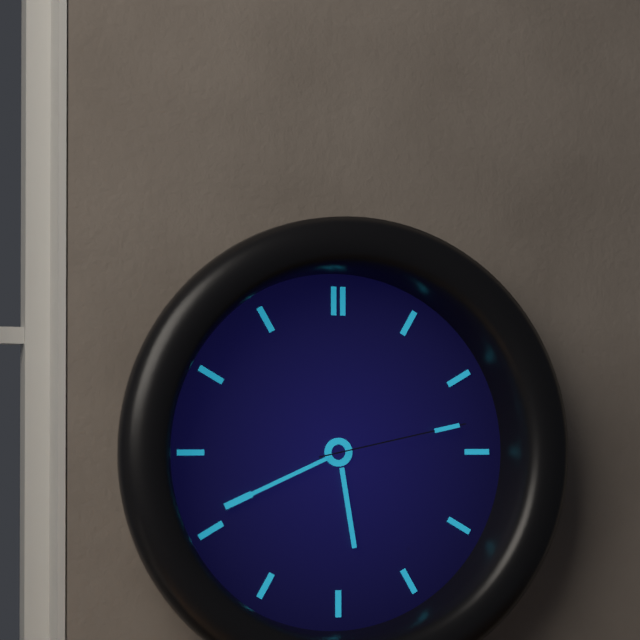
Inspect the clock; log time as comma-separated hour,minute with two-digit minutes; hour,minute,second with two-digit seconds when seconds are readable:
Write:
5,41,13
